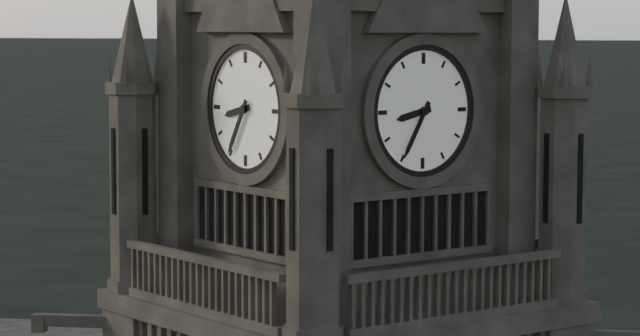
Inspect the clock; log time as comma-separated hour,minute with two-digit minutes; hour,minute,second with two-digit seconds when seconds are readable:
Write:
8,35
